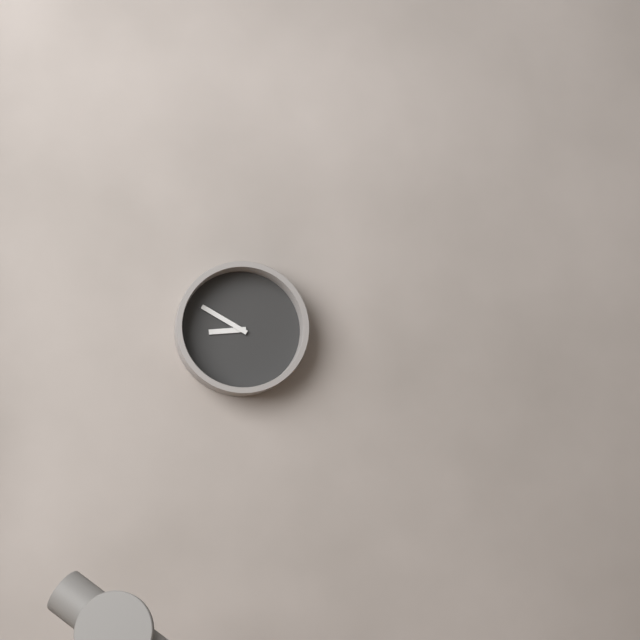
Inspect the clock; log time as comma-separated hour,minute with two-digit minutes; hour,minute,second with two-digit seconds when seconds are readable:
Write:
8,50
